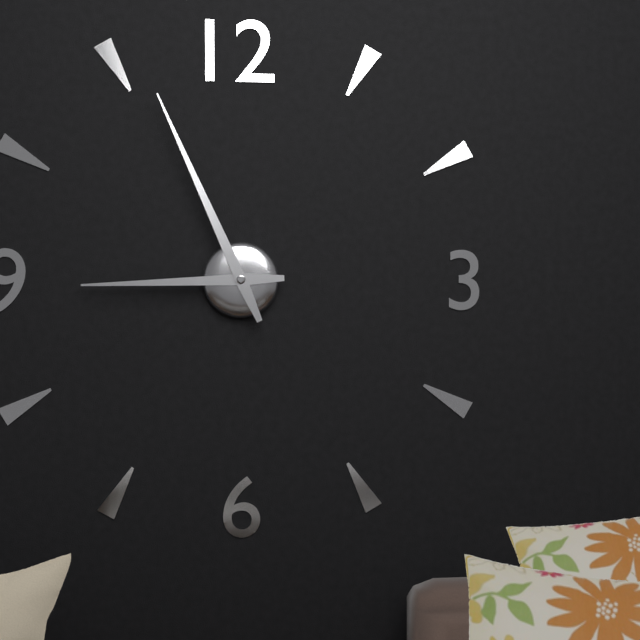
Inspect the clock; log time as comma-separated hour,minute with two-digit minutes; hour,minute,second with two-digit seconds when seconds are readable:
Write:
8,56
